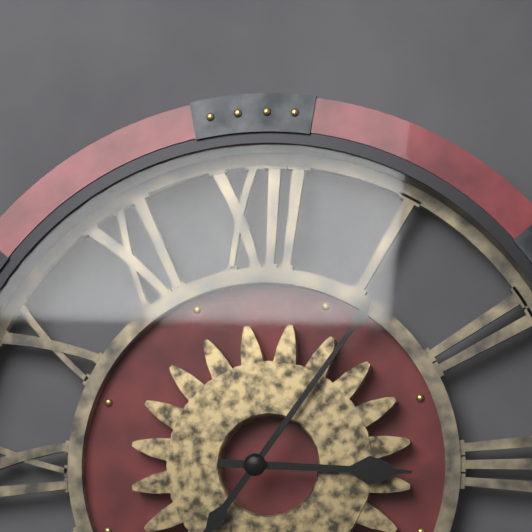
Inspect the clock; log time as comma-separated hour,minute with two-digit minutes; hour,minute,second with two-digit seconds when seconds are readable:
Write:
3,06
